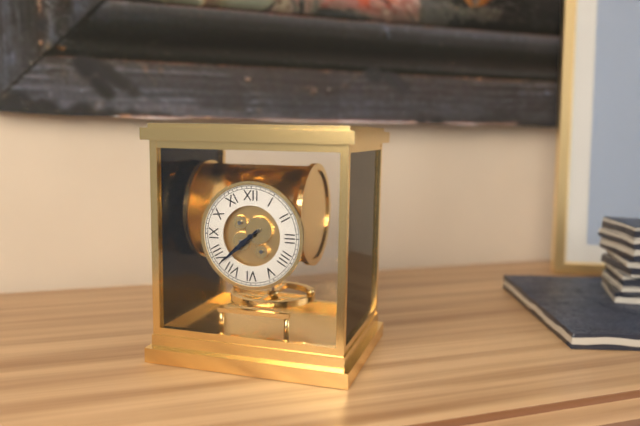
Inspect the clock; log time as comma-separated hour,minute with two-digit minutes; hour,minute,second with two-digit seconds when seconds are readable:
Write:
7,38
